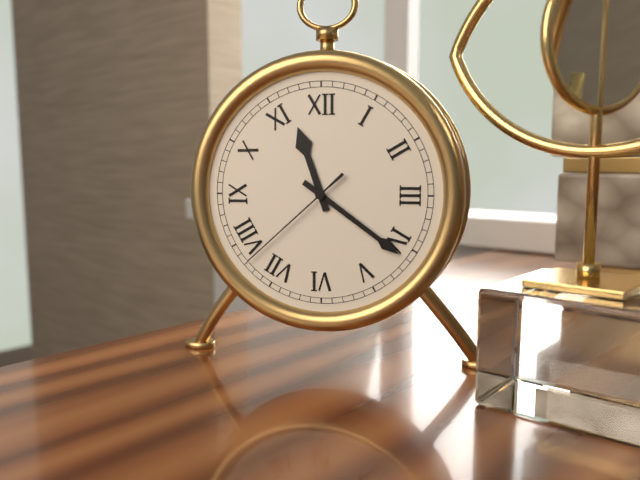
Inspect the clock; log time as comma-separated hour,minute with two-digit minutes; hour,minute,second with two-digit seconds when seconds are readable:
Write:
11,21,38
